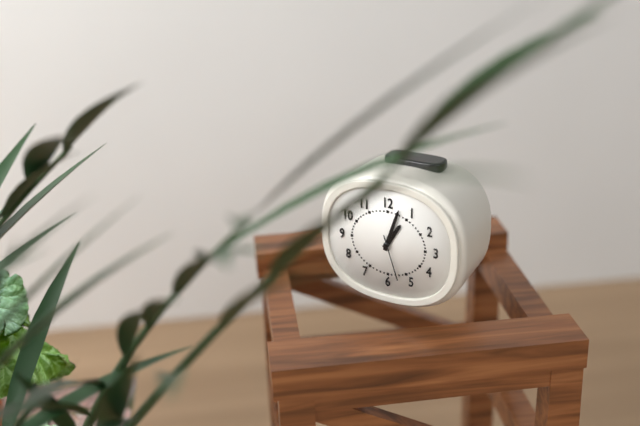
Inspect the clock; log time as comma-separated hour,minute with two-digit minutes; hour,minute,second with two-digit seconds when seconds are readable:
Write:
1,03
